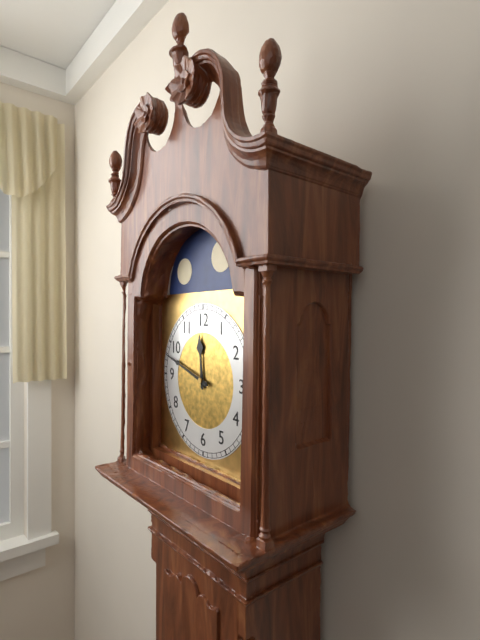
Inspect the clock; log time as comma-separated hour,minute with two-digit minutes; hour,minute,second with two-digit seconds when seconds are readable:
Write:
11,48
